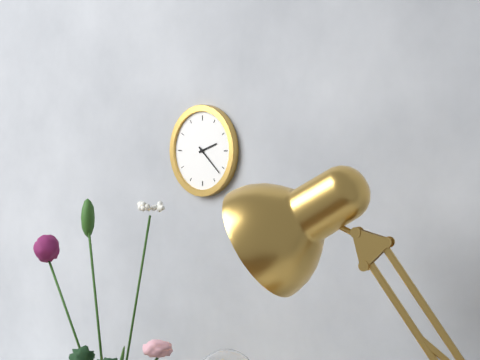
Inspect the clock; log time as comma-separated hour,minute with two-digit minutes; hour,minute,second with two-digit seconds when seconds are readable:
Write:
2,22
